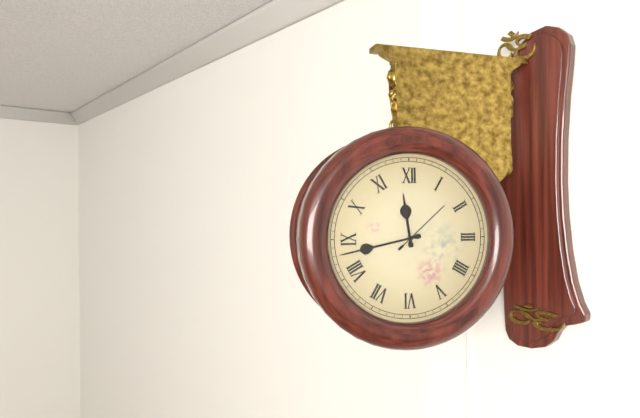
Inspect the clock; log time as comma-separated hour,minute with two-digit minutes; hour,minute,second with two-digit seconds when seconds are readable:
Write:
11,43,08
